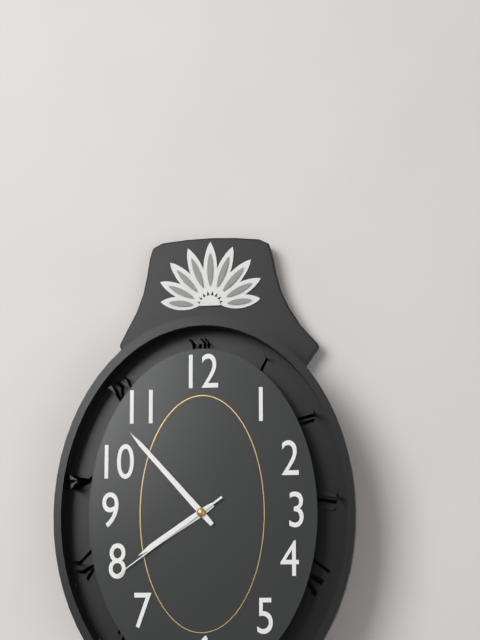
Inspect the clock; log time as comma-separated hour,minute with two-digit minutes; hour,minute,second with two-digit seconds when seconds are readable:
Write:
7,53,39
